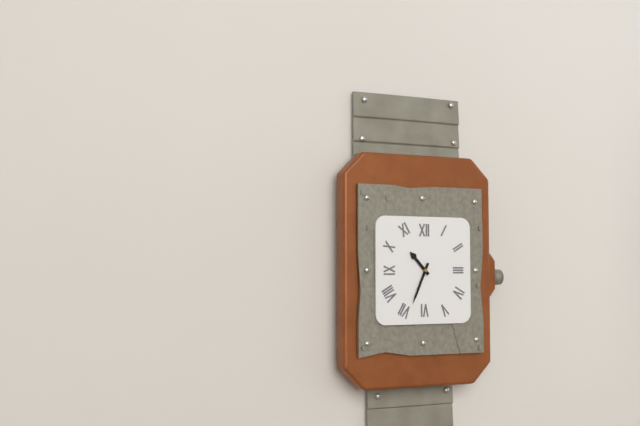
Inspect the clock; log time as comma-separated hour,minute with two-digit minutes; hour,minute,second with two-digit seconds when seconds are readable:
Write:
10,34
